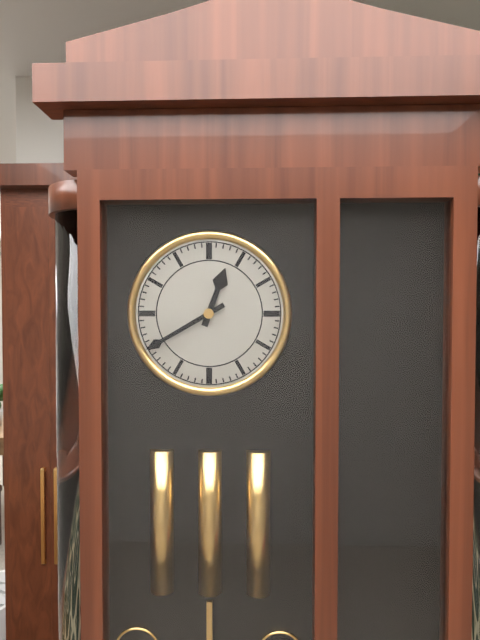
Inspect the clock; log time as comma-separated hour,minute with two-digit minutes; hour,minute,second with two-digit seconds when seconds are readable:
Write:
12,40
